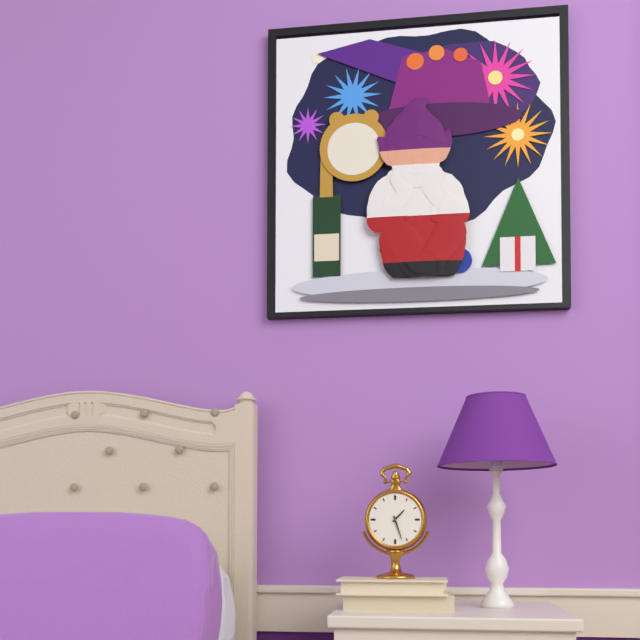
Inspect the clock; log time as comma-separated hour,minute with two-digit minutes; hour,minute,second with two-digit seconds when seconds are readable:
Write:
1,27
